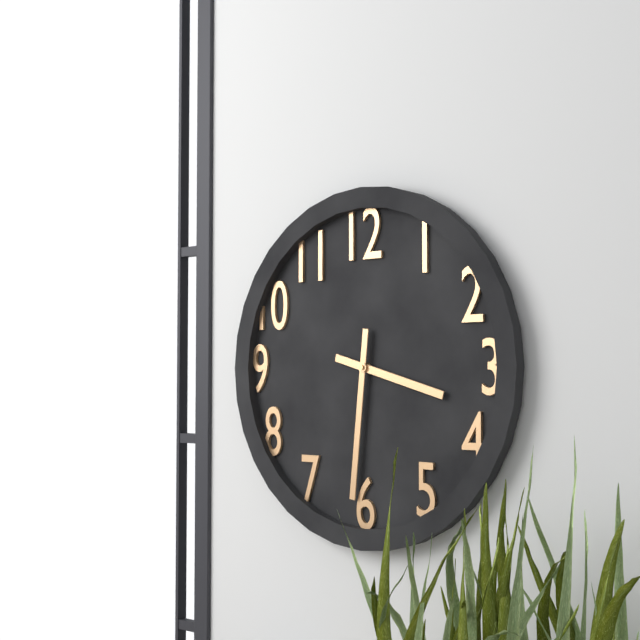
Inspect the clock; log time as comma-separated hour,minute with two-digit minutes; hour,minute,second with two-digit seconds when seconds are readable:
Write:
3,31
